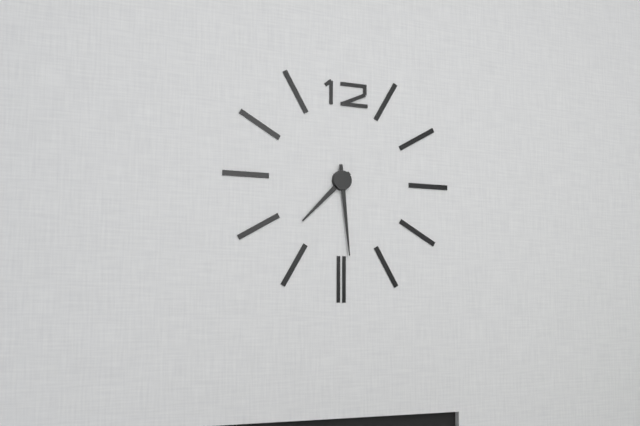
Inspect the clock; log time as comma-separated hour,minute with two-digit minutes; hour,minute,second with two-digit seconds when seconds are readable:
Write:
7,29
